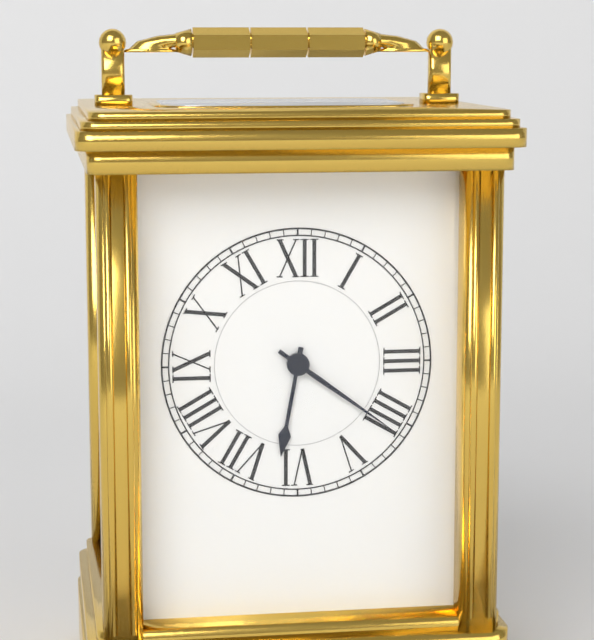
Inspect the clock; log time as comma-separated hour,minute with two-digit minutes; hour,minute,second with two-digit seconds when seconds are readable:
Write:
6,21
